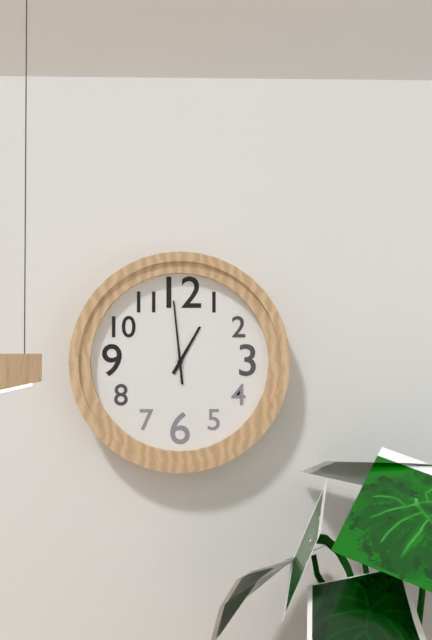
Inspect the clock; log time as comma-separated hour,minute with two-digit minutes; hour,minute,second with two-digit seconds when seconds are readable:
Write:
12,59
